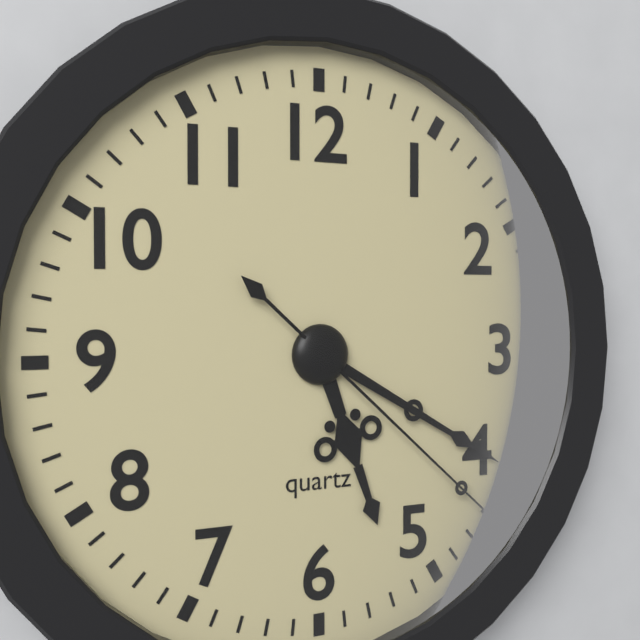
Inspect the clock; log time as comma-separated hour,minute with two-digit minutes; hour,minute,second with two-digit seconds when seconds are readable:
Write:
5,20,22
